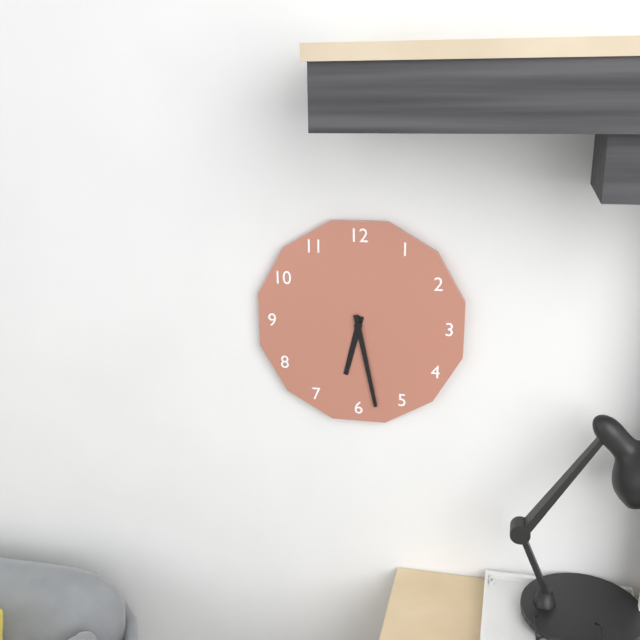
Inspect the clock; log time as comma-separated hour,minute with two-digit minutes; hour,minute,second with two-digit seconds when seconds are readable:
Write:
6,28
